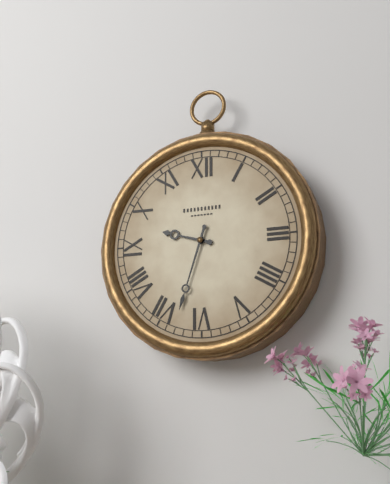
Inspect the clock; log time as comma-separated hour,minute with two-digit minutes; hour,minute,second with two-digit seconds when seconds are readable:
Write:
9,33
